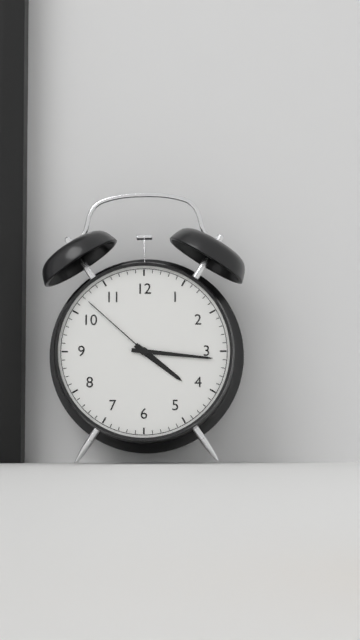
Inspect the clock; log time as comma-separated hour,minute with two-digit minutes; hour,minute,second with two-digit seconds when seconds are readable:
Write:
4,16,52
